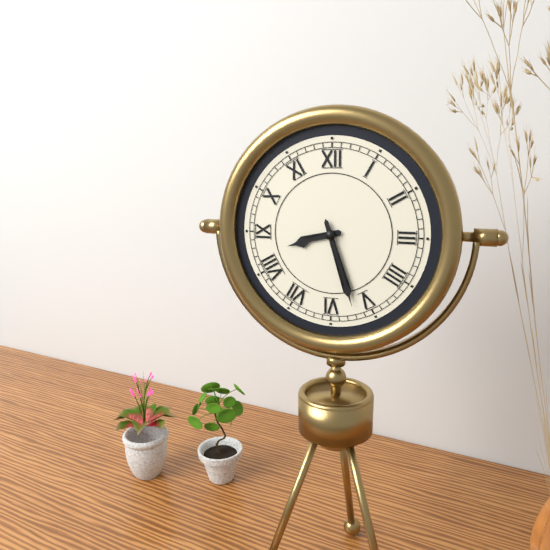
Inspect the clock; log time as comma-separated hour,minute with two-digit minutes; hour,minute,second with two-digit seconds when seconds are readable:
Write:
8,27
